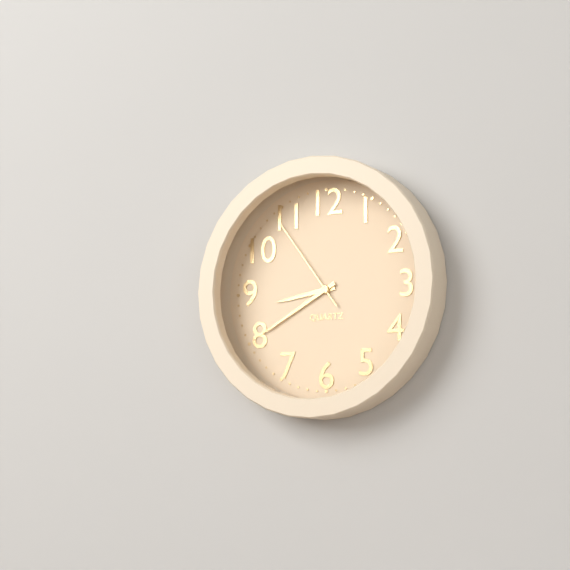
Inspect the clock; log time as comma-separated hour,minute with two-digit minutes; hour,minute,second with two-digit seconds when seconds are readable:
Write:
8,40,54
